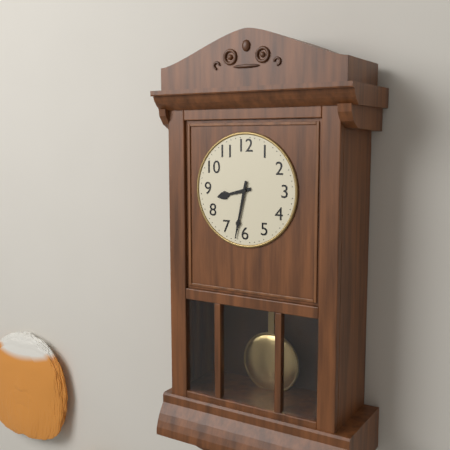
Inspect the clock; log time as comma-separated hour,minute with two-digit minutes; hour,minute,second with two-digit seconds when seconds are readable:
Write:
8,32
